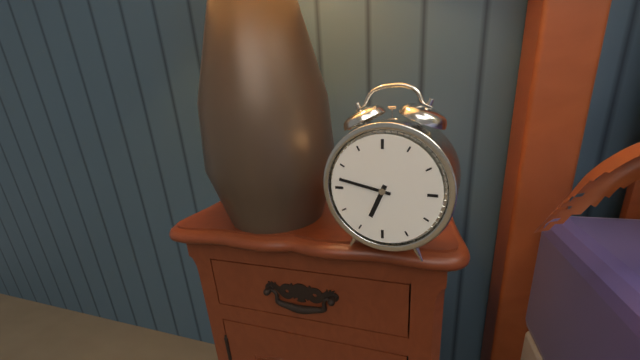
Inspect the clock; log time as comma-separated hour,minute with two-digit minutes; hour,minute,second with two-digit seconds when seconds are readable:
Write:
6,47
